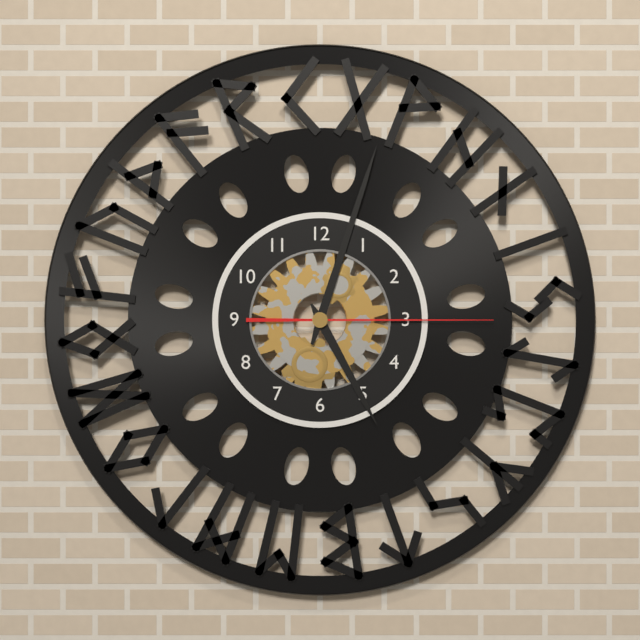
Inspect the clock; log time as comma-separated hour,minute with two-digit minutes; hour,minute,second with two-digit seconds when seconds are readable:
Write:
5,03,15
